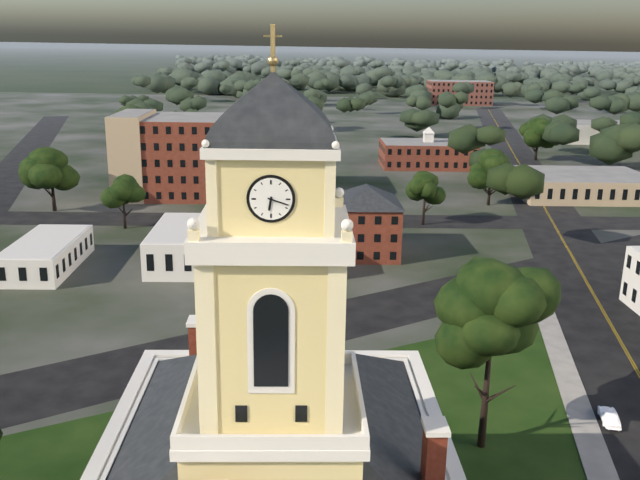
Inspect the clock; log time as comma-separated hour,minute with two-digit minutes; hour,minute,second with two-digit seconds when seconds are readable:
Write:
6,18
